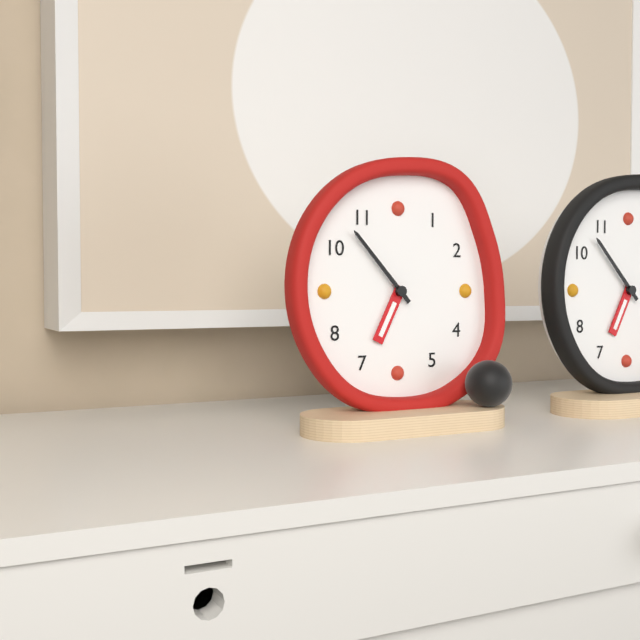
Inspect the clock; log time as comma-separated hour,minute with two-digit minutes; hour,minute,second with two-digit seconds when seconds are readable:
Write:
6,53
